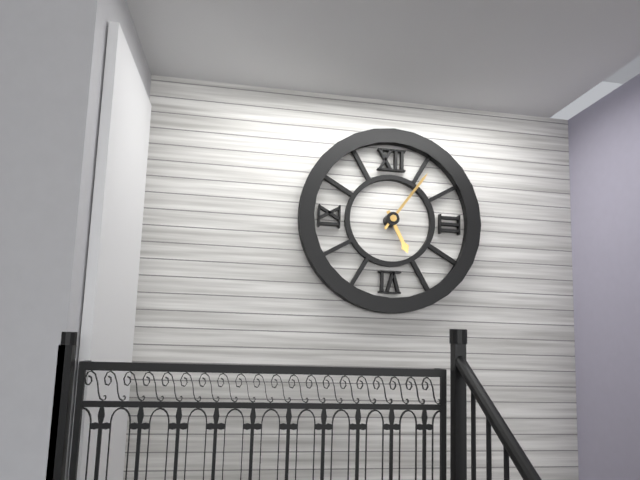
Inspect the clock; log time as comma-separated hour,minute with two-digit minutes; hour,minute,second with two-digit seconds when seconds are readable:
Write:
5,06
